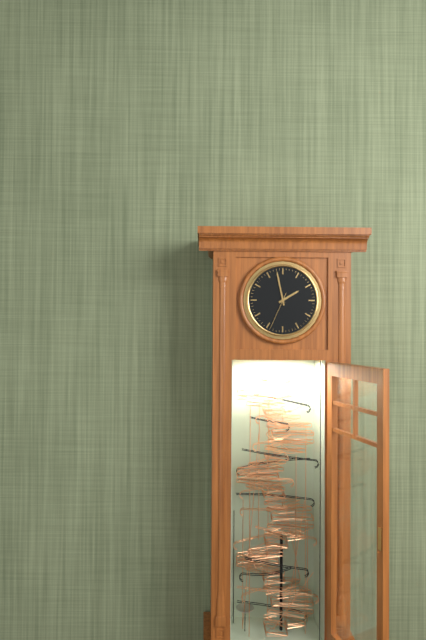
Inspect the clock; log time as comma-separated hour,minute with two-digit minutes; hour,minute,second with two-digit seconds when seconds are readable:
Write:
1,58
